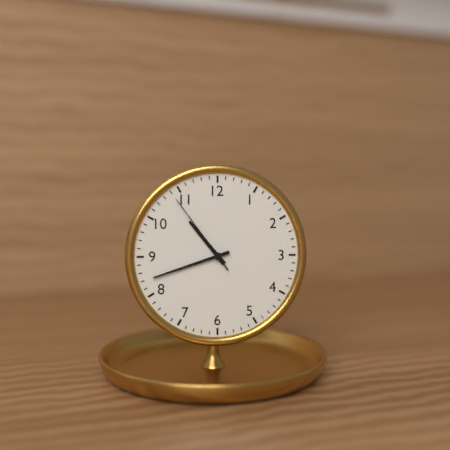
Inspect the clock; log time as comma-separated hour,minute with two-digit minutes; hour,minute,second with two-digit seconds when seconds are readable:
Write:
10,42,54
